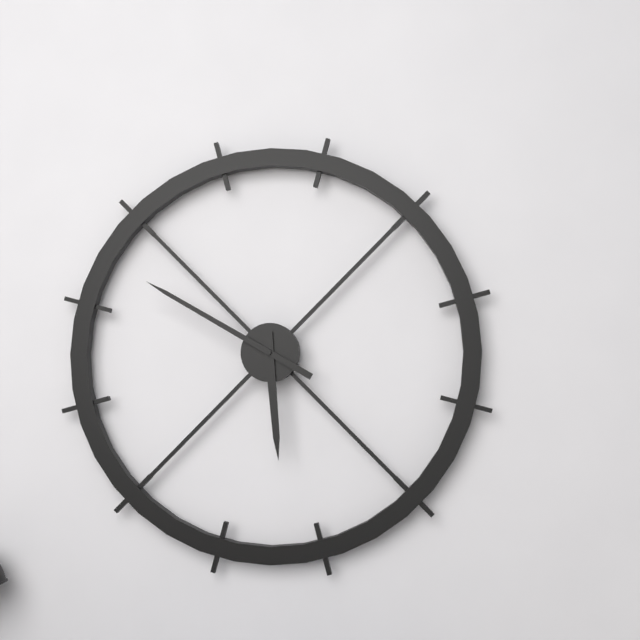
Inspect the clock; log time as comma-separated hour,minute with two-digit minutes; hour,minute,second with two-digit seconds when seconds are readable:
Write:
5,50
